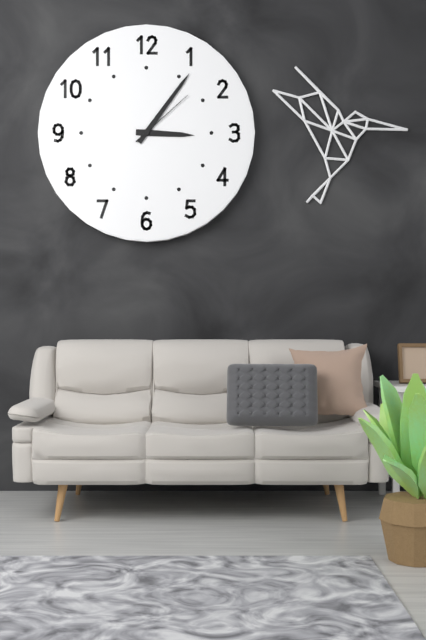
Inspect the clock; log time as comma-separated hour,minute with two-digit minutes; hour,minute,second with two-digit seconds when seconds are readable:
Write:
3,06,08
